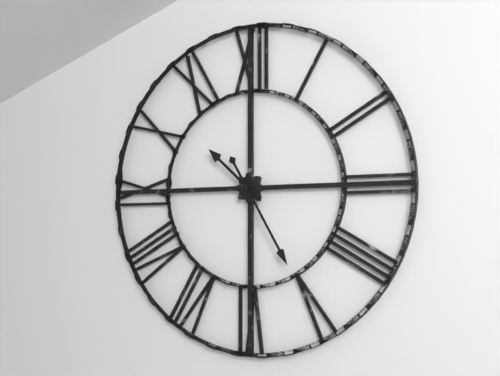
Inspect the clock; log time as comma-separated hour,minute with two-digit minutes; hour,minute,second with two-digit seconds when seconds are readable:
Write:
10,25
